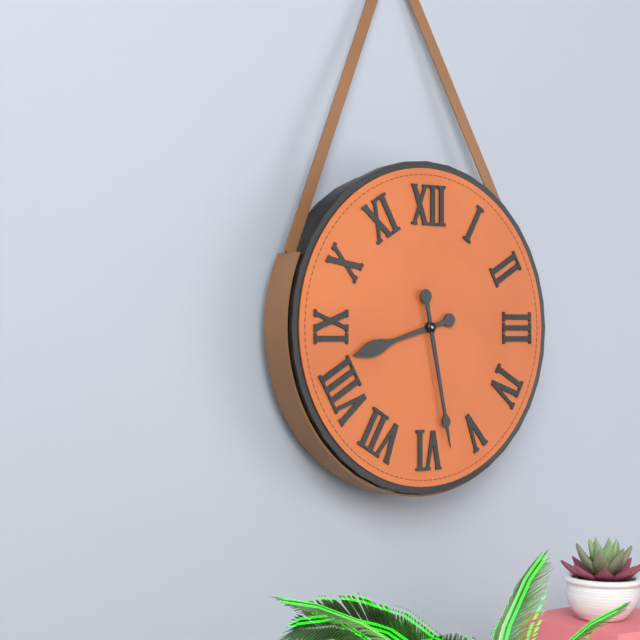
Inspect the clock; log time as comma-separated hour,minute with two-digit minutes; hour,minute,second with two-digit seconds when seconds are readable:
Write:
8,28
